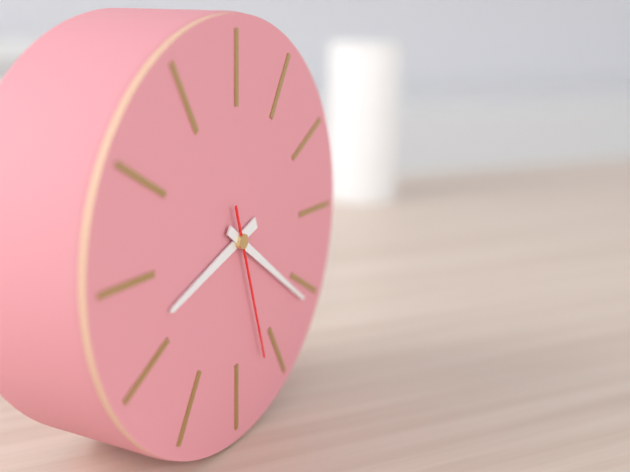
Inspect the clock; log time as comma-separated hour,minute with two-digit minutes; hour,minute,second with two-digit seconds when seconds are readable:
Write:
8,21,27
